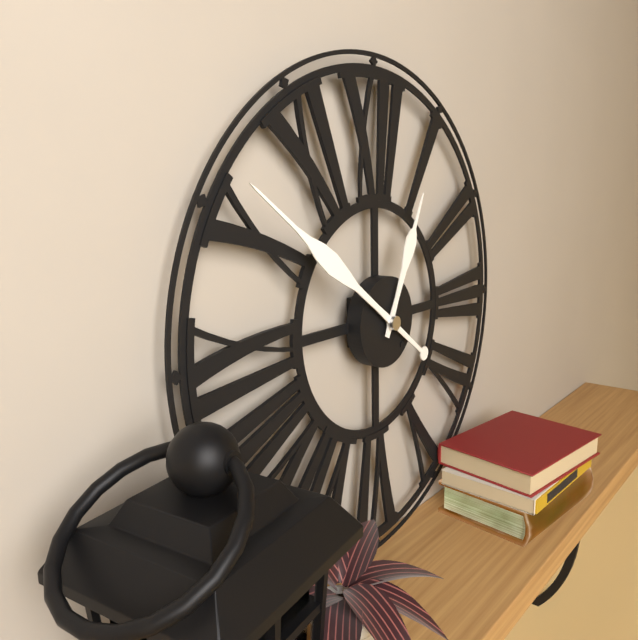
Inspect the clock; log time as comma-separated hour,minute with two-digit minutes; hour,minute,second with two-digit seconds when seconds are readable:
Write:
12,51
